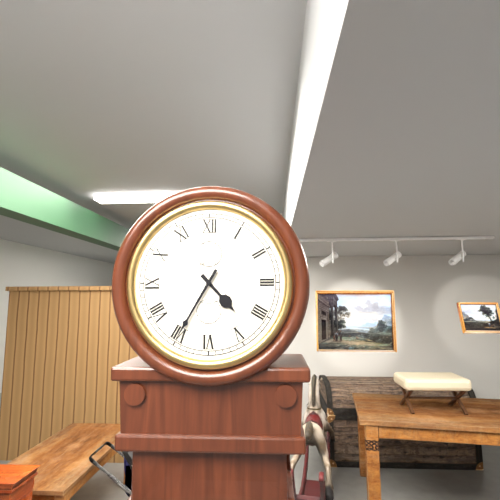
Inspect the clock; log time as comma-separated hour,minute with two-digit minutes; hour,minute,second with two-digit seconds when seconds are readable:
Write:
4,35
